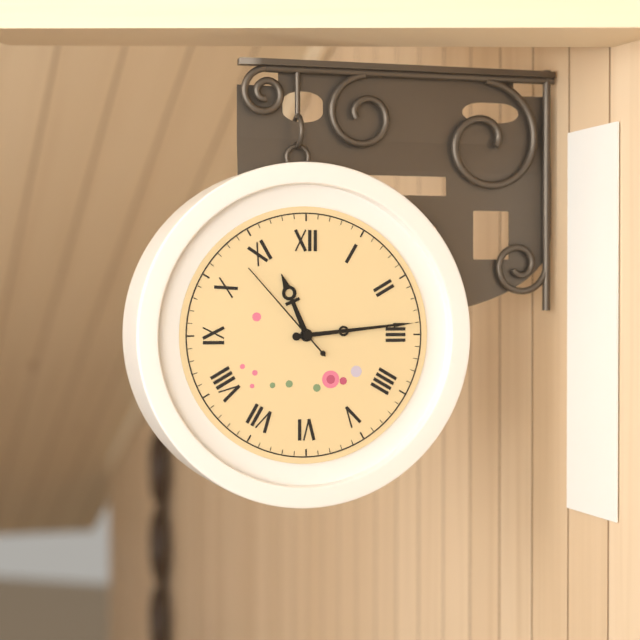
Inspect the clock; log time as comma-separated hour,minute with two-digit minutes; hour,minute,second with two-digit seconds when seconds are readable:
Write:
11,14,53
